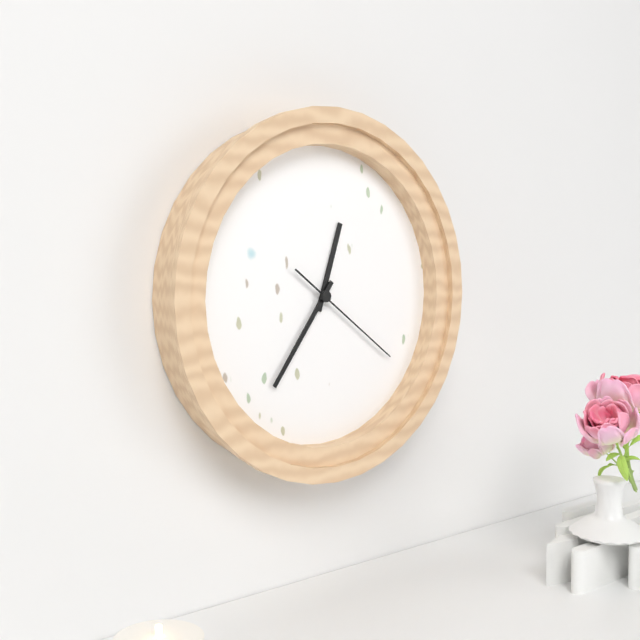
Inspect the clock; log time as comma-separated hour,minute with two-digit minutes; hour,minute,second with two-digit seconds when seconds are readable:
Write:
12,36,21
